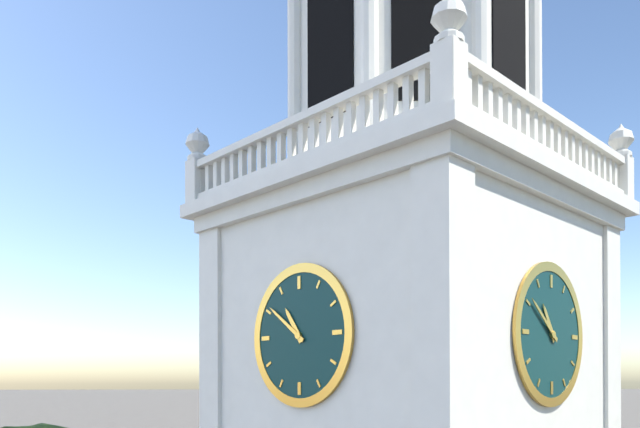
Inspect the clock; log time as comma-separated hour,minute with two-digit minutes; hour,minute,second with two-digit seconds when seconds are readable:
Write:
10,51
